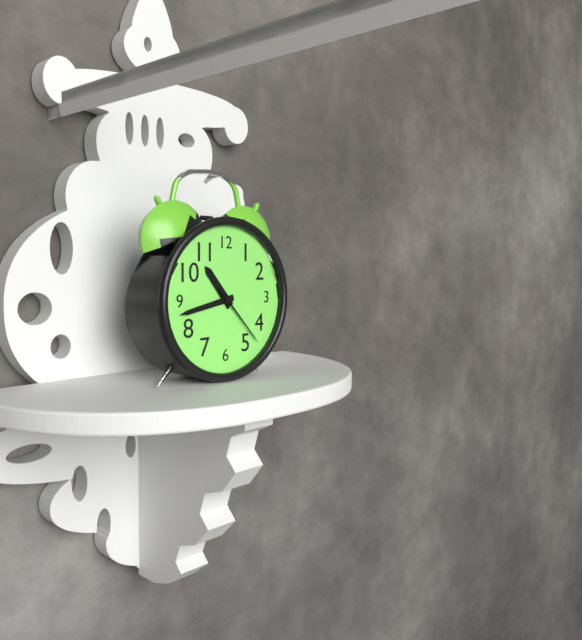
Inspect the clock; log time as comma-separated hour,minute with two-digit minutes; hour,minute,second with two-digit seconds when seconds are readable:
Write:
10,43,23
